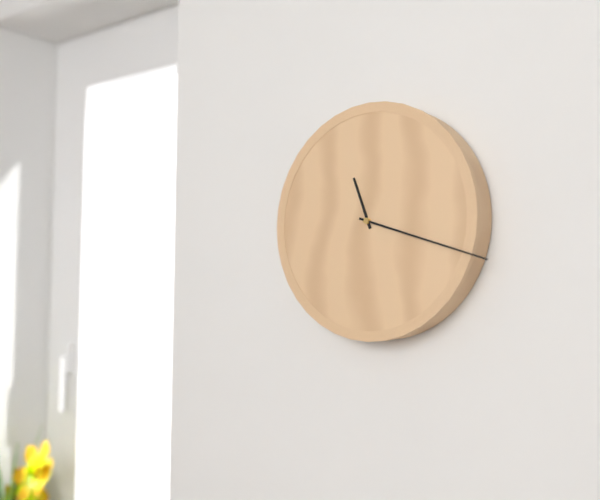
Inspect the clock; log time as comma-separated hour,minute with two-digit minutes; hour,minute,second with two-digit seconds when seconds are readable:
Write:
11,18
